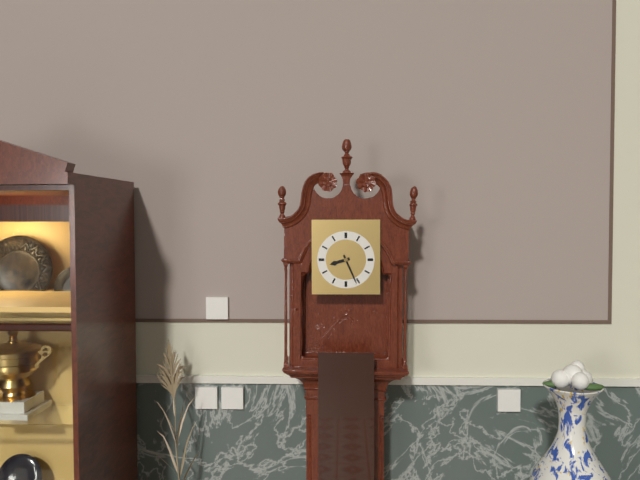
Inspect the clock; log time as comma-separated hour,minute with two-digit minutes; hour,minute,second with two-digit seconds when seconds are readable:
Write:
8,26
